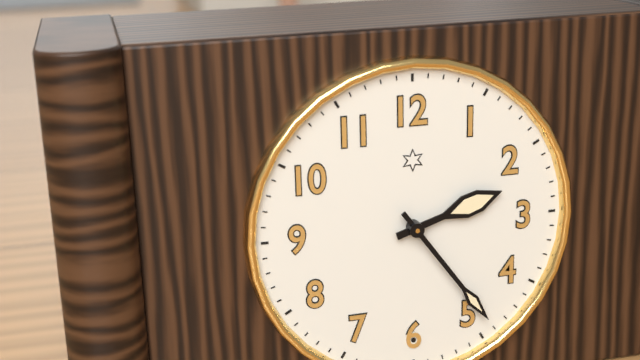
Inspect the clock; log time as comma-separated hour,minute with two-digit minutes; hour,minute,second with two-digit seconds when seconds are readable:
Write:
2,24
